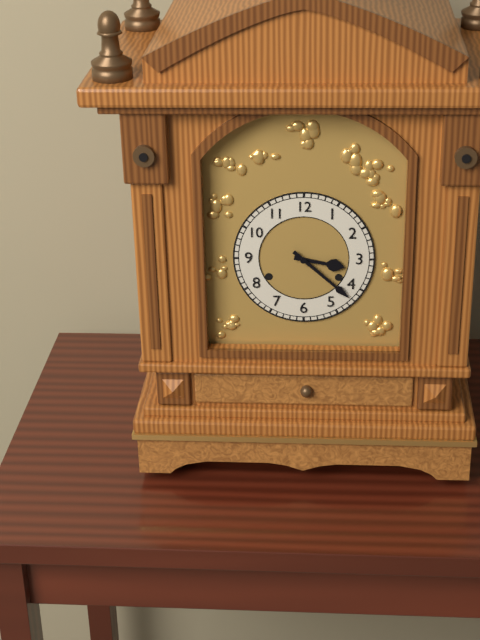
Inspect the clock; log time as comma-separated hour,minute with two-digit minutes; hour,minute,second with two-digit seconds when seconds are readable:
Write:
3,22
